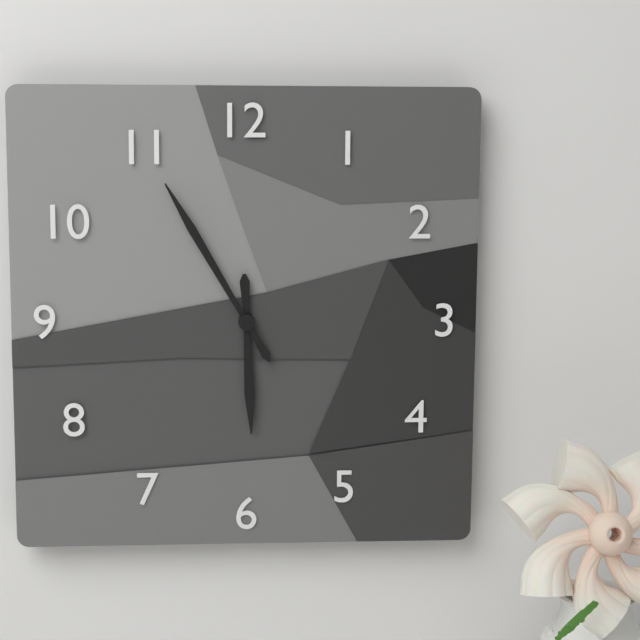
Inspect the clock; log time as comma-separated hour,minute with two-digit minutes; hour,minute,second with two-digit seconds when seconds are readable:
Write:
5,55
